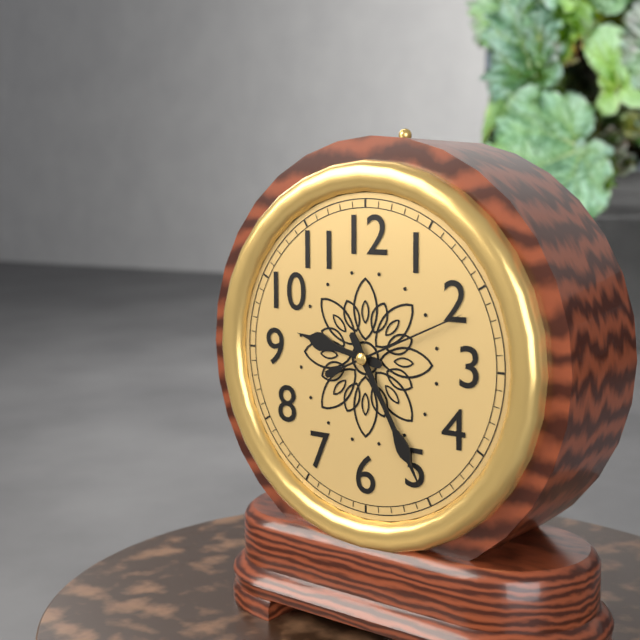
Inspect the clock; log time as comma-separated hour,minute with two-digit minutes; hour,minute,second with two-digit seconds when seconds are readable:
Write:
9,25,11
